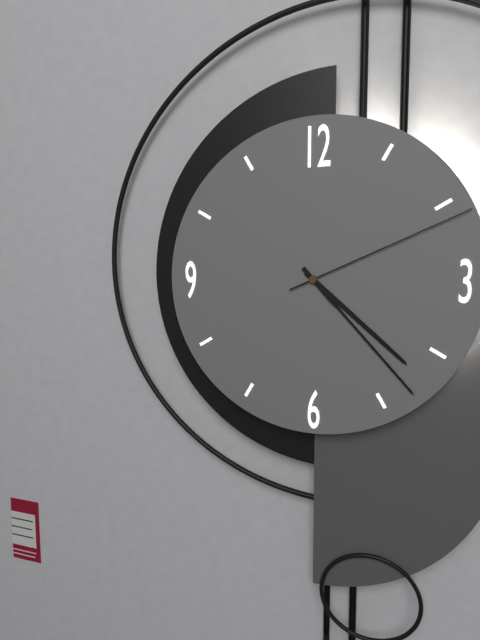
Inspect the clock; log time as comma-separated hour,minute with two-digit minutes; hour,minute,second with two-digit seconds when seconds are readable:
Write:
4,23,11
